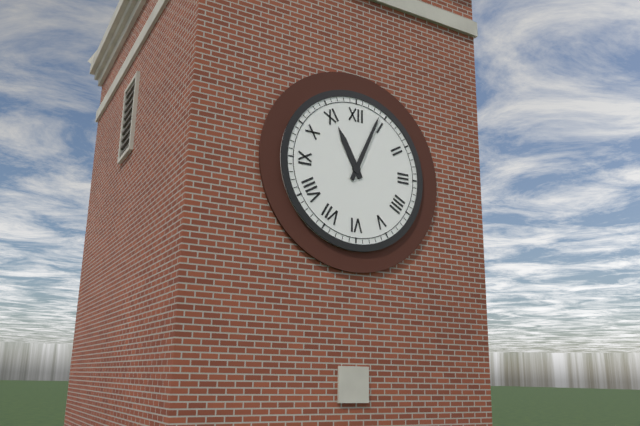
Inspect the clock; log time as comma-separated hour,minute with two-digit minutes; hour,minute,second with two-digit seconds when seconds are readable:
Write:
11,04
